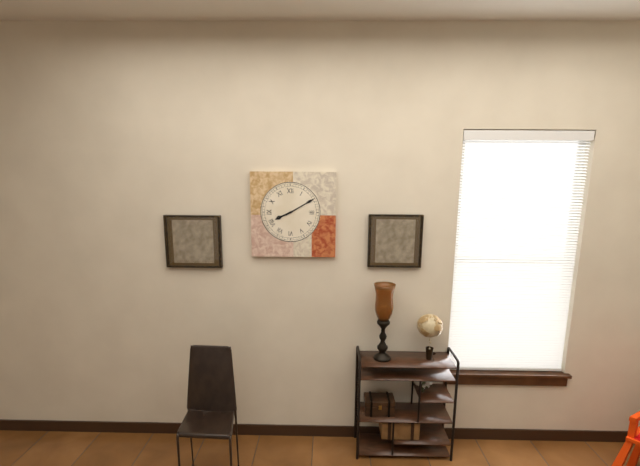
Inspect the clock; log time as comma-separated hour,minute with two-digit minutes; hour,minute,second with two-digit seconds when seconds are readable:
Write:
8,10
